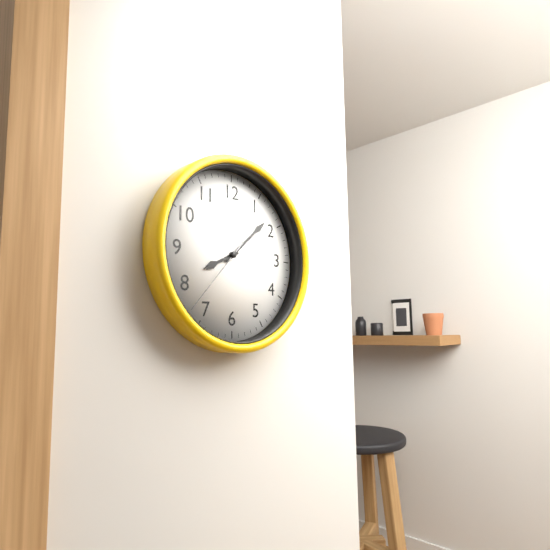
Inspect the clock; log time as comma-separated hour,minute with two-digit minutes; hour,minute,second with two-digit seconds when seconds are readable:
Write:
8,08,37
